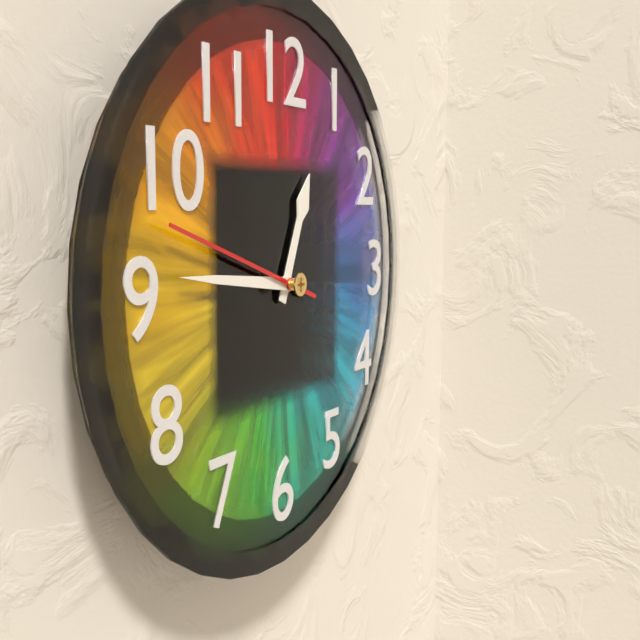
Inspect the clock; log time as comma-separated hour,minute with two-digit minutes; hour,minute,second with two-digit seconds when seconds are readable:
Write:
12,46,48
